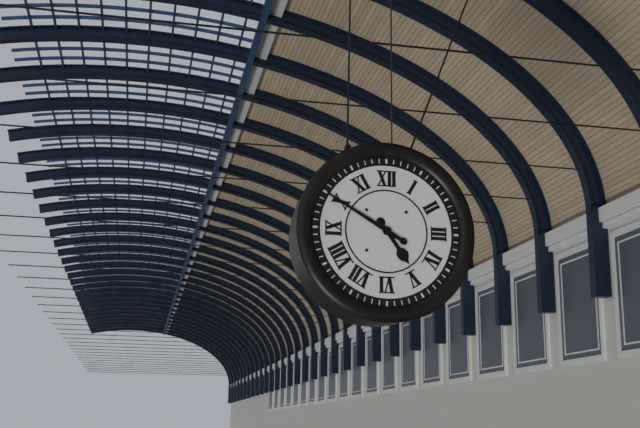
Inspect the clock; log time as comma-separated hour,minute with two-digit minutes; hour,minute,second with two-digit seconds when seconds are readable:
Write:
4,50
